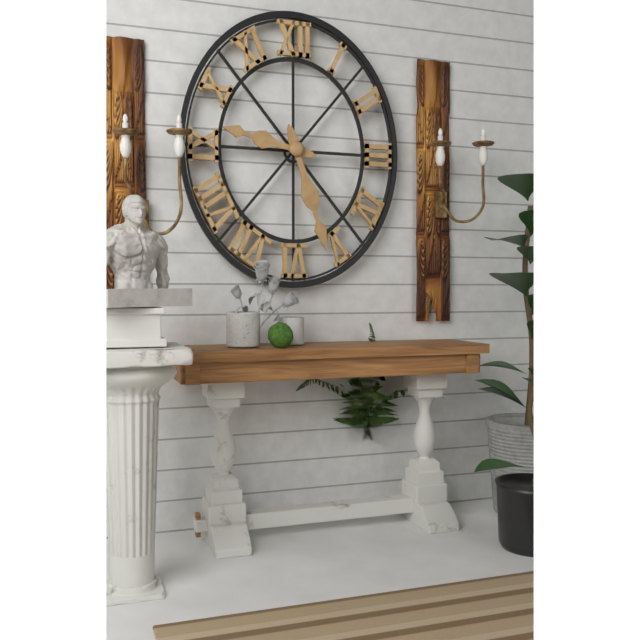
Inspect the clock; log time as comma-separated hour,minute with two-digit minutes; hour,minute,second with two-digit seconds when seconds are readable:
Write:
9,27
